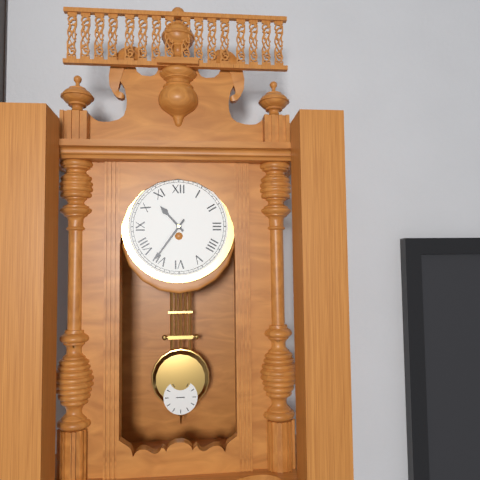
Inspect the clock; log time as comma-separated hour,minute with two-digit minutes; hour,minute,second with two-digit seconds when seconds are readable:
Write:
10,36
